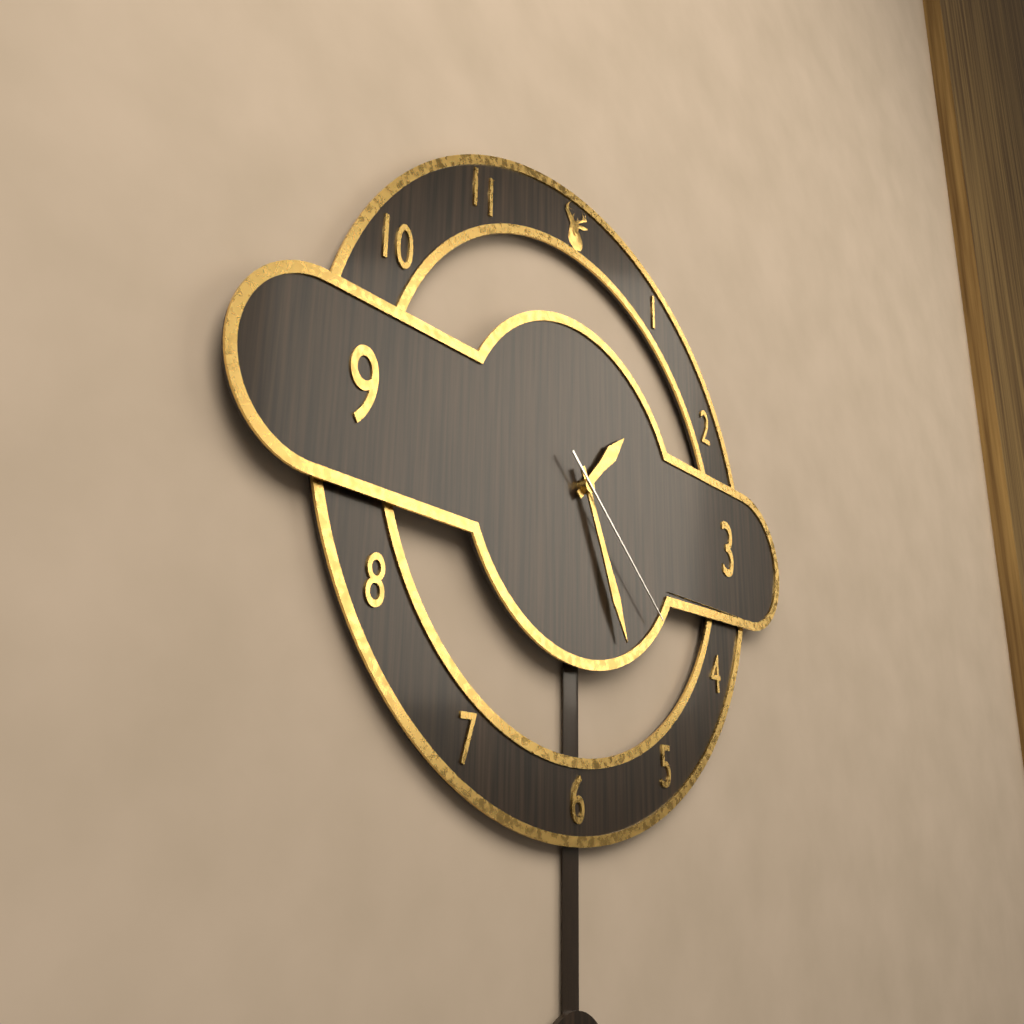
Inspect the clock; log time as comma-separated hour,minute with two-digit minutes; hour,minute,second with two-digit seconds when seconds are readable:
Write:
1,26,22
